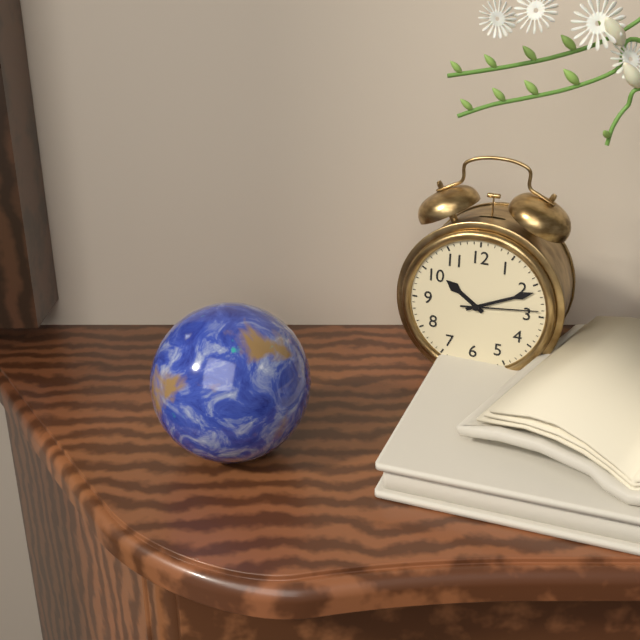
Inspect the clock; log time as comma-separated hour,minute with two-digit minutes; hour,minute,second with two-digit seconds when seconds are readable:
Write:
10,11,14
